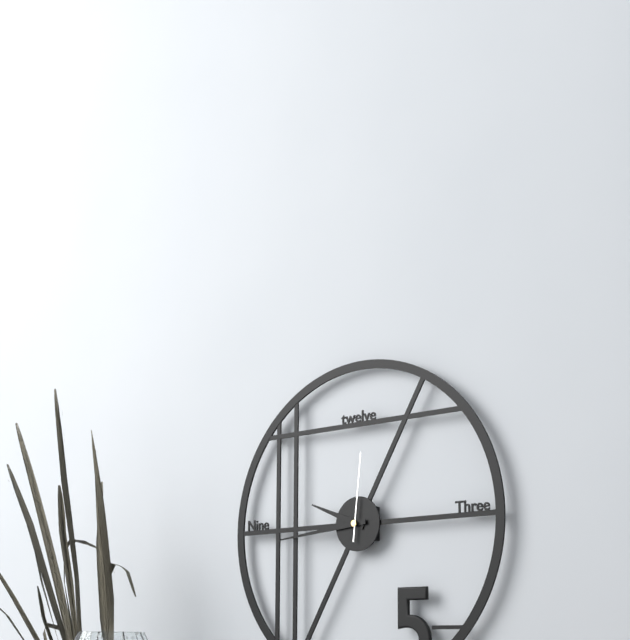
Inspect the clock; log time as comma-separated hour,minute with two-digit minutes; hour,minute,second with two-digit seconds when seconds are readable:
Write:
9,44,01
